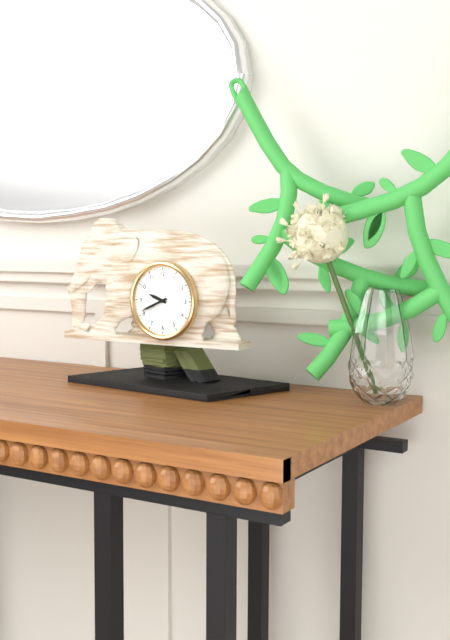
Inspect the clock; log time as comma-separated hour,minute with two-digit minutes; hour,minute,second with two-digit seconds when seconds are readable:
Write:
9,41
